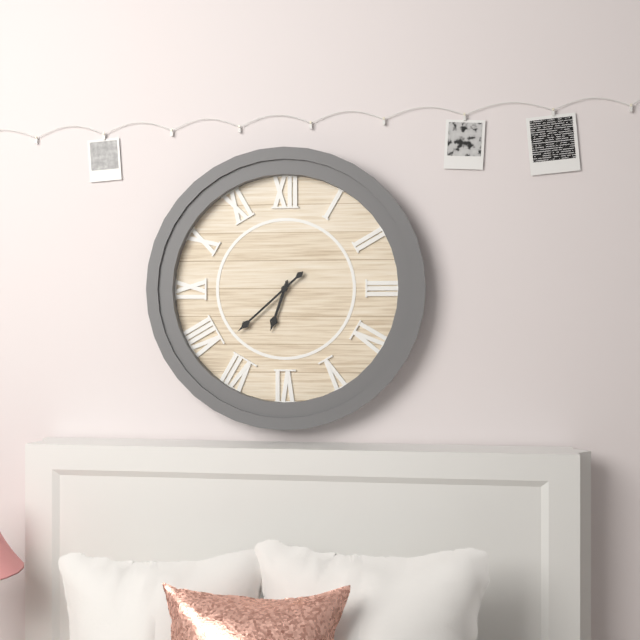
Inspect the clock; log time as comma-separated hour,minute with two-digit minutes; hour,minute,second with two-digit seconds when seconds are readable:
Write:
6,38
